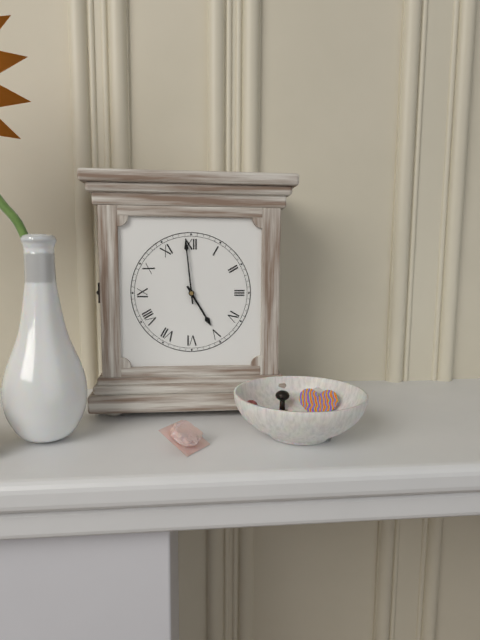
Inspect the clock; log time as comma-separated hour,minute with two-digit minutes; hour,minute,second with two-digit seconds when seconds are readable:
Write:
4,59
